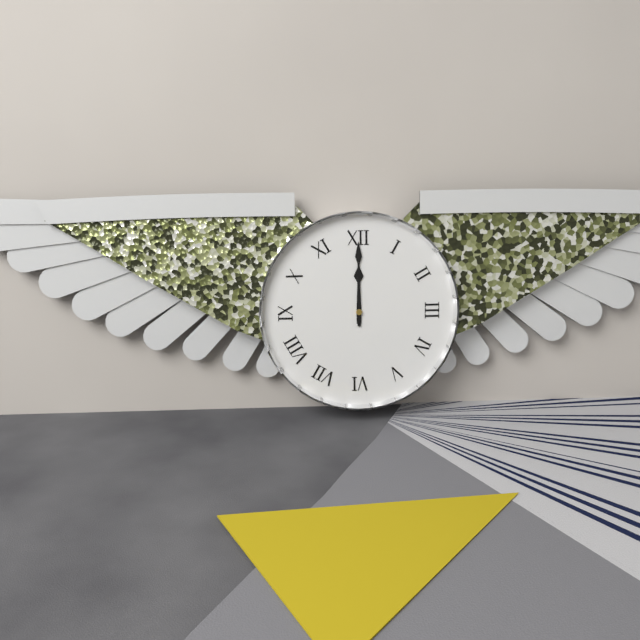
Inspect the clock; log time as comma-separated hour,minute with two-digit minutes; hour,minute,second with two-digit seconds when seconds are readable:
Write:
12,00
